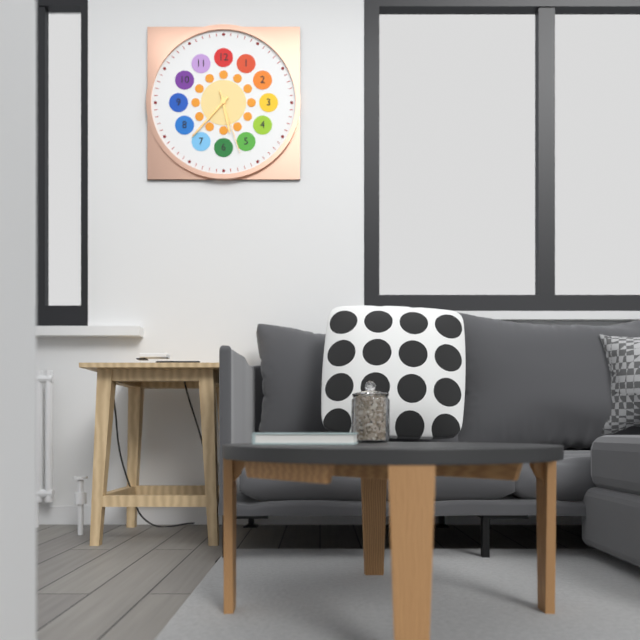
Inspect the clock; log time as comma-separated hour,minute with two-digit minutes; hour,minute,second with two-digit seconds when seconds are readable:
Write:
5,37,27
